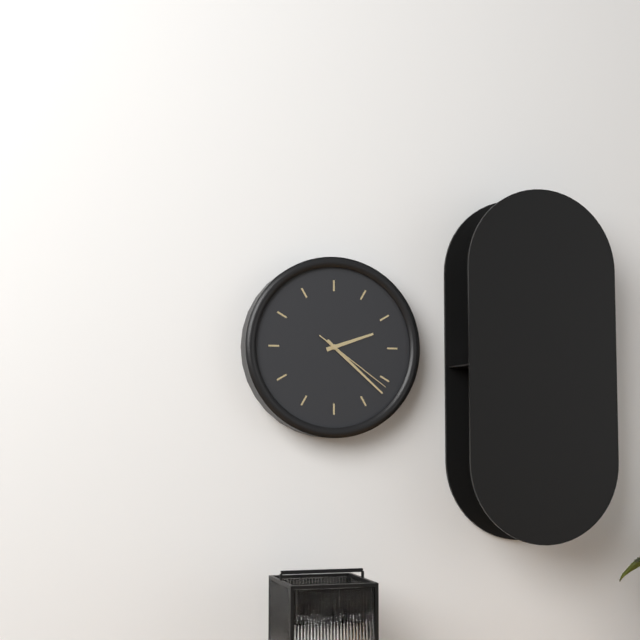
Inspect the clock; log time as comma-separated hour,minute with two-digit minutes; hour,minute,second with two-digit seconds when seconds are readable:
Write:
2,22,21
